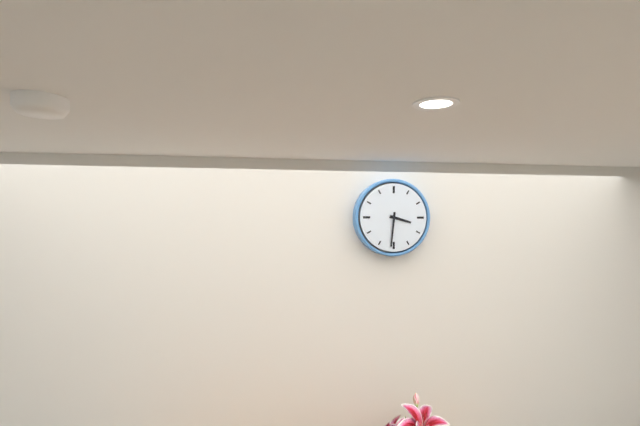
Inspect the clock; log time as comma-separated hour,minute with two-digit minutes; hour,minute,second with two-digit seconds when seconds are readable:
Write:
3,31
